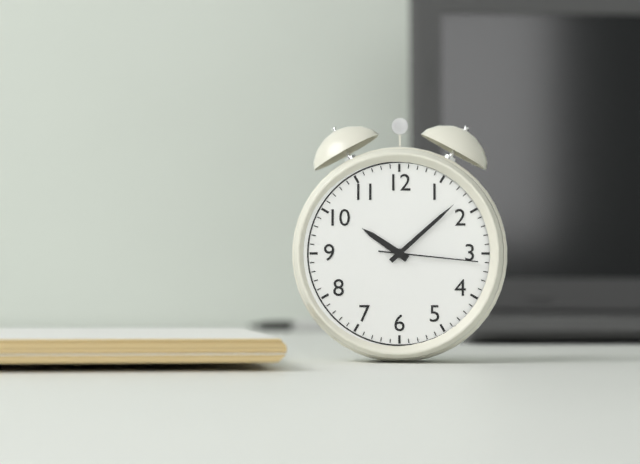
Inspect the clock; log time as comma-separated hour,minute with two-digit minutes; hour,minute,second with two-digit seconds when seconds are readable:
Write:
10,08,16
